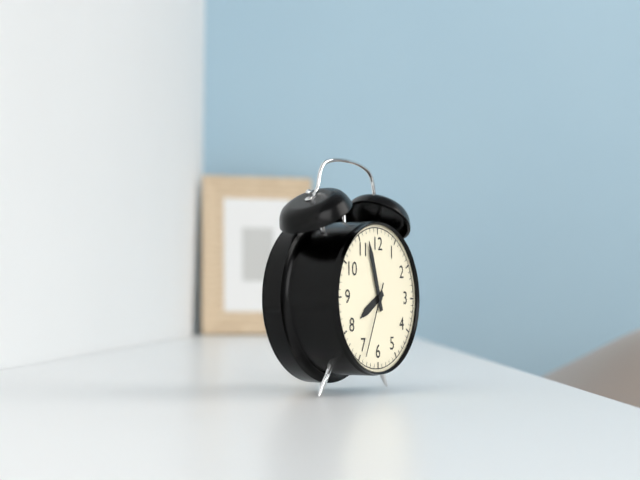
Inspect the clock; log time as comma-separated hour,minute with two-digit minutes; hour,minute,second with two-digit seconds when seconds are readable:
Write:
7,57,34
